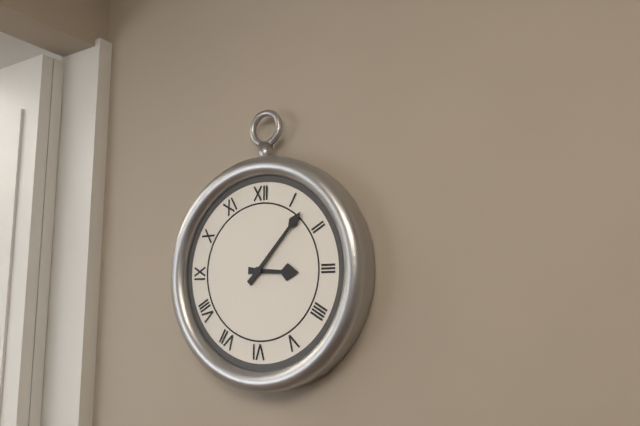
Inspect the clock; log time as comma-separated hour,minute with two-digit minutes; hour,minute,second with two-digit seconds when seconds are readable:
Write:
3,07
